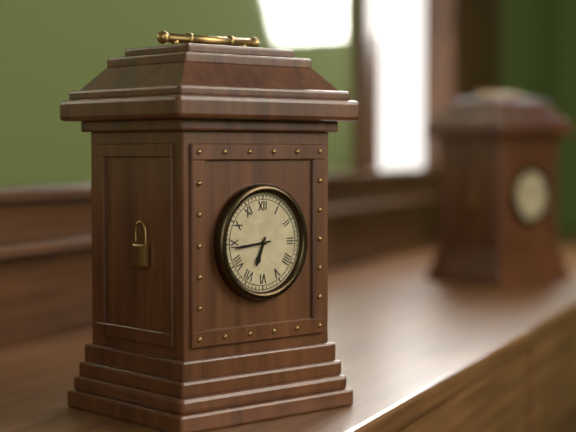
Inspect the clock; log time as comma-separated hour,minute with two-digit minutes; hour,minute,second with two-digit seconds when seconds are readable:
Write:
6,44
